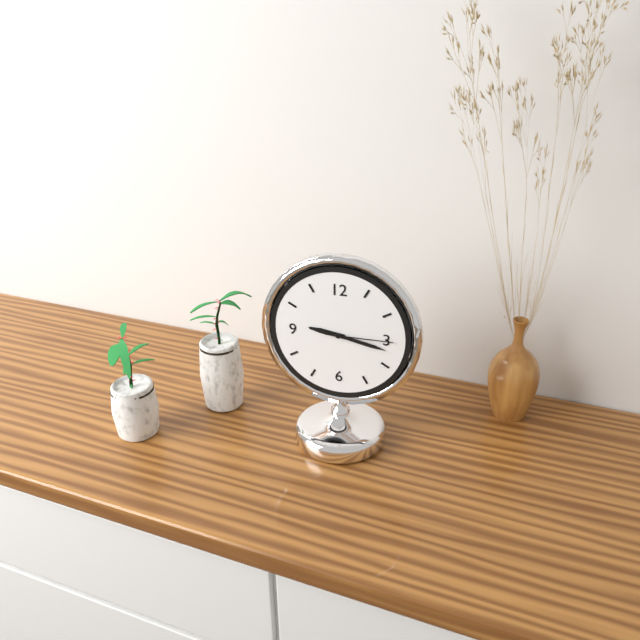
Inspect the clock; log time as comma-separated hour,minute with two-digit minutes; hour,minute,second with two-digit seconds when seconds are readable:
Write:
9,17,15
